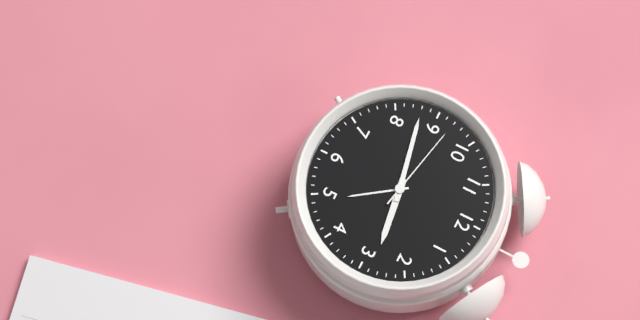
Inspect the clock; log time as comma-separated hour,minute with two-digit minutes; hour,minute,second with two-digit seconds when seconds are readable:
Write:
2,43,47
